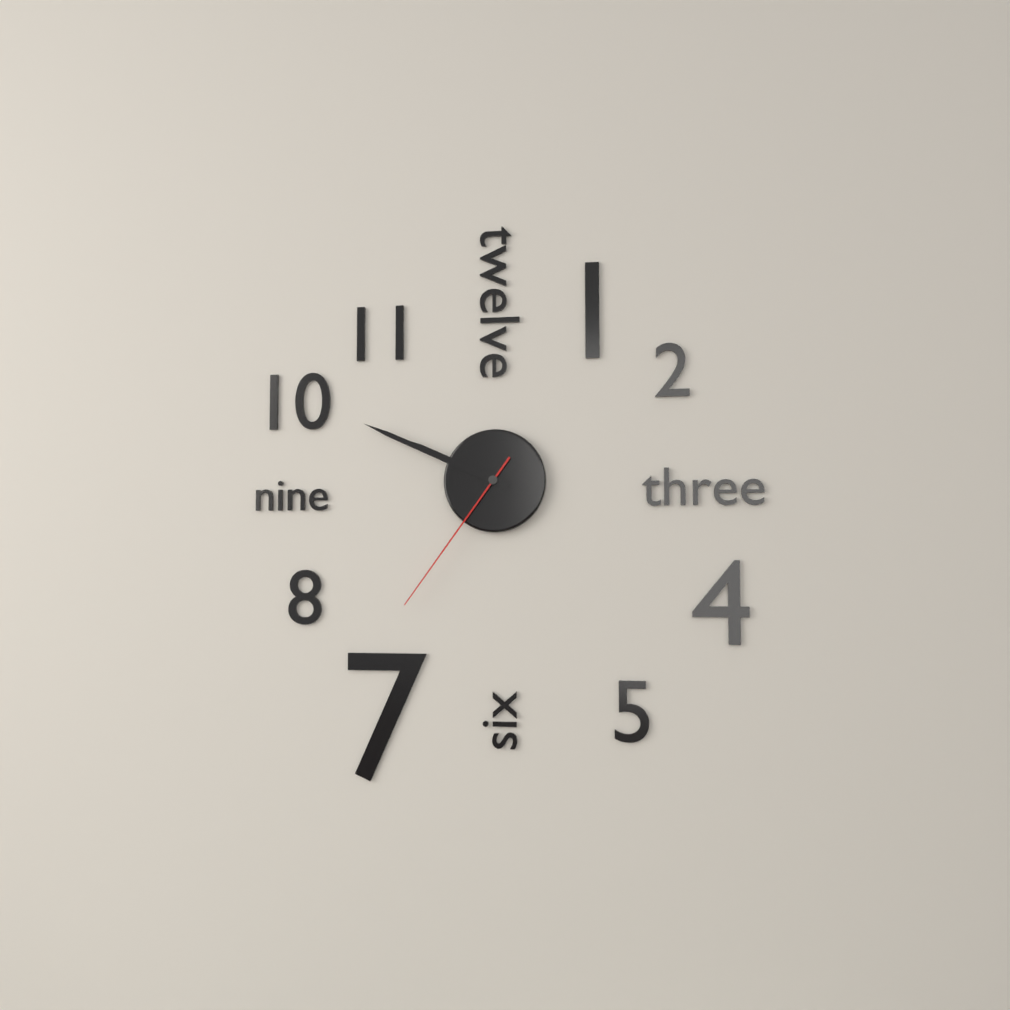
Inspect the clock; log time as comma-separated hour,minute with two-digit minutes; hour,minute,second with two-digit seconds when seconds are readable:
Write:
9,49,36
